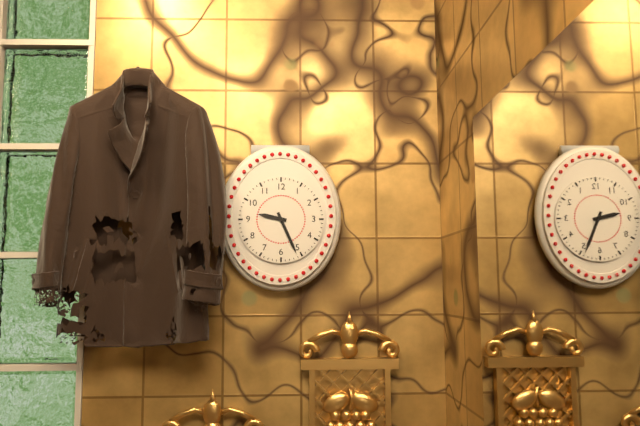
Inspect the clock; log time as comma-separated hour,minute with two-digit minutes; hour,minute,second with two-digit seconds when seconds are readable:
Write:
9,26
